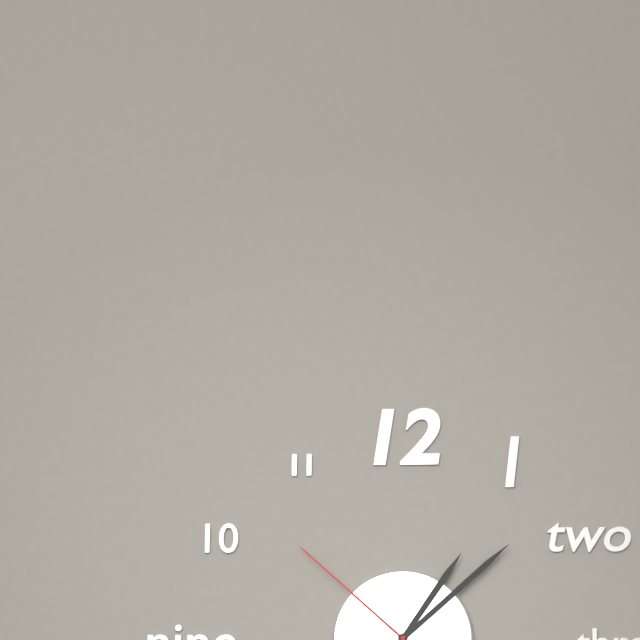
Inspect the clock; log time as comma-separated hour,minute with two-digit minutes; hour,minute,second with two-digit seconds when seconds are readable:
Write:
1,08,52
